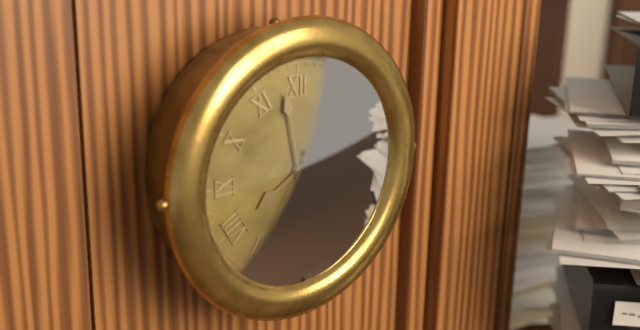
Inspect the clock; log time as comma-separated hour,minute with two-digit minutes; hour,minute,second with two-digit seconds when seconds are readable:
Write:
7,58,35
